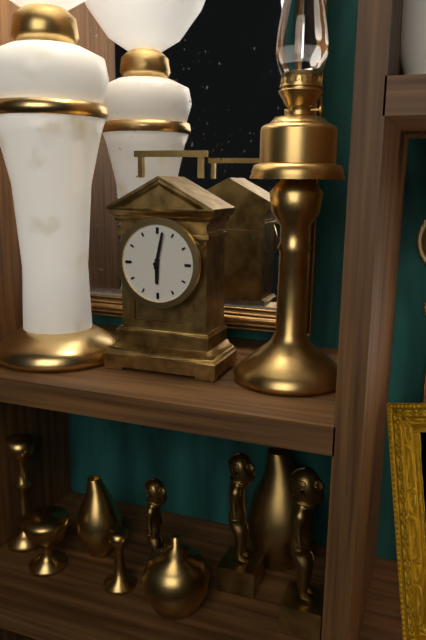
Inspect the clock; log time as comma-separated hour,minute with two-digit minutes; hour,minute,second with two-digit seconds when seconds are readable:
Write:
6,02
